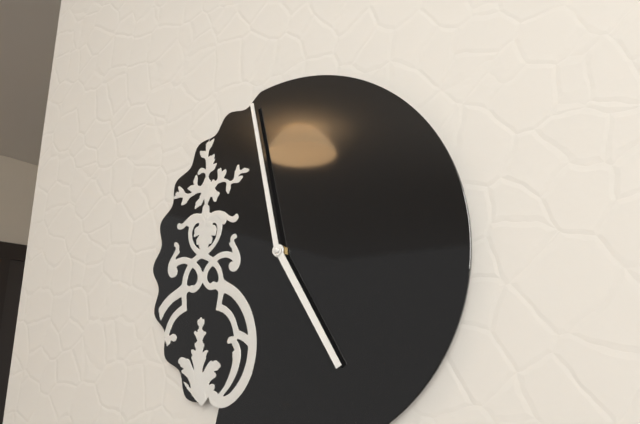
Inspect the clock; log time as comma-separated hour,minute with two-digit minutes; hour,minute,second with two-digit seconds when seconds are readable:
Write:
4,58
